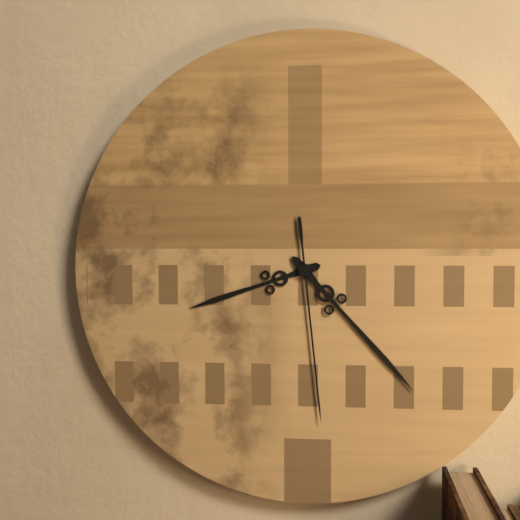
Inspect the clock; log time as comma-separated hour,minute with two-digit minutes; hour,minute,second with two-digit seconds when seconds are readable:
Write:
8,23,29
